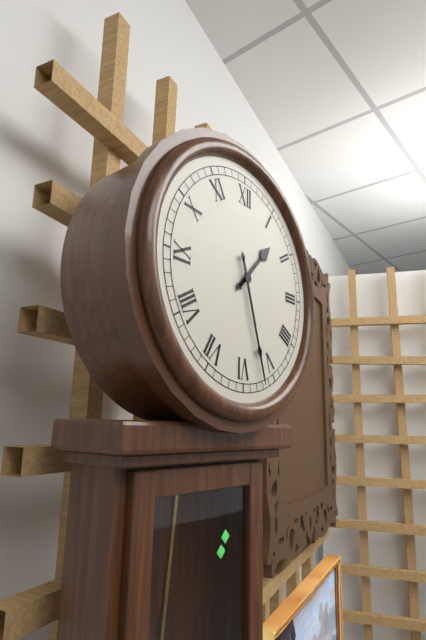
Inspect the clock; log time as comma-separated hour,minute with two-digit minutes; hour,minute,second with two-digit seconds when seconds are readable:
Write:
1,27
